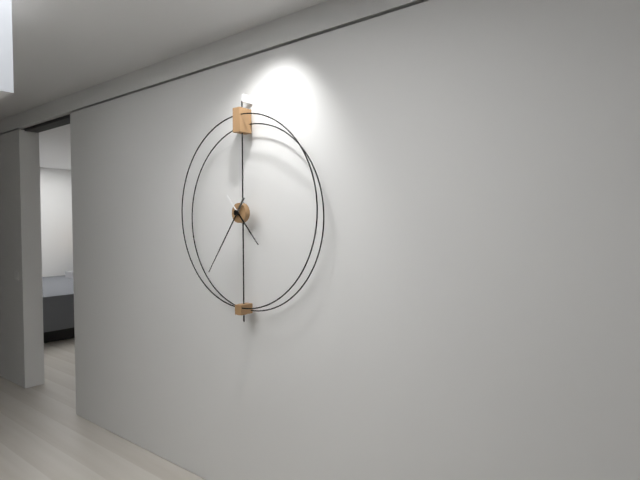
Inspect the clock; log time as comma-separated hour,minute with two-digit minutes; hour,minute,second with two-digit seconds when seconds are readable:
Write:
4,36
